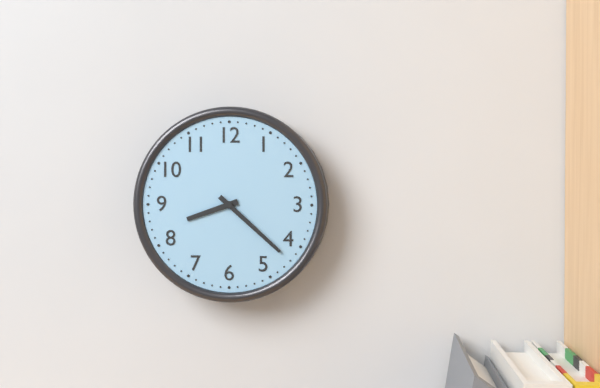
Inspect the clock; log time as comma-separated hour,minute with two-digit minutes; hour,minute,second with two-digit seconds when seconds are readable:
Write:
8,22
